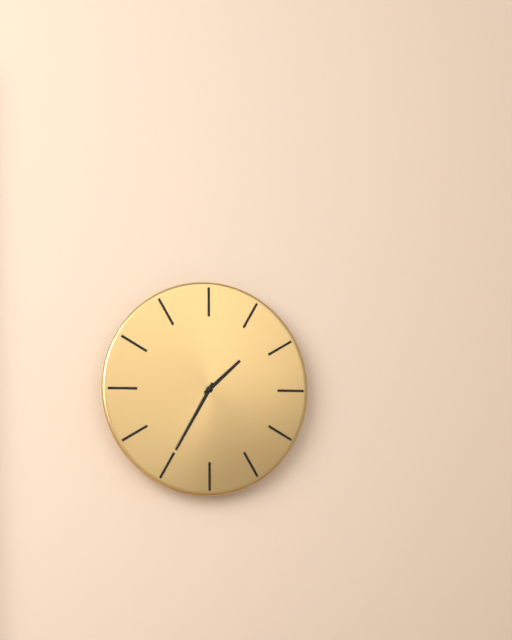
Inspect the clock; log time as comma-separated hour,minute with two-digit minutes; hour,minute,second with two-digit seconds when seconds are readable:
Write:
1,35
